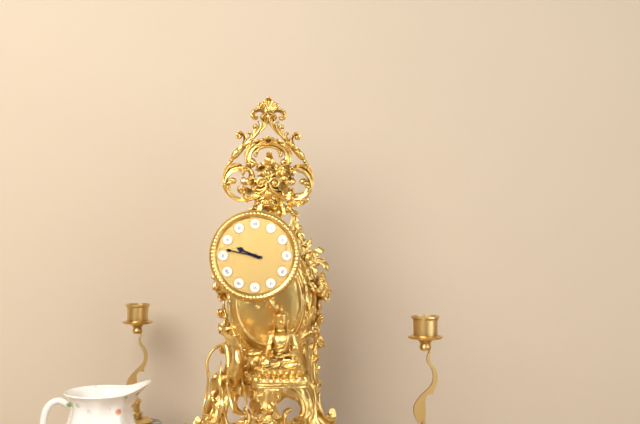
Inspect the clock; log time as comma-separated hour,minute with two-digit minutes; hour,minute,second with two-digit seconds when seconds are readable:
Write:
9,47
